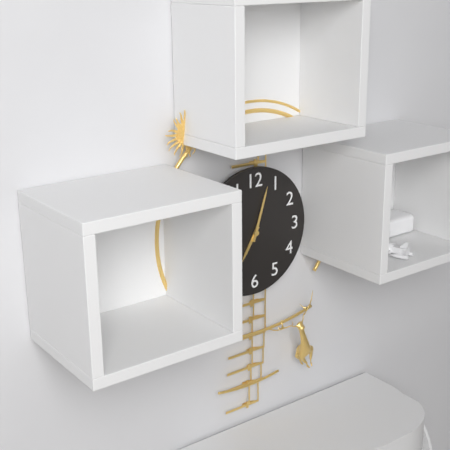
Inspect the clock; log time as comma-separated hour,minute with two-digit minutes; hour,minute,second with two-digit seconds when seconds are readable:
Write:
7,03
